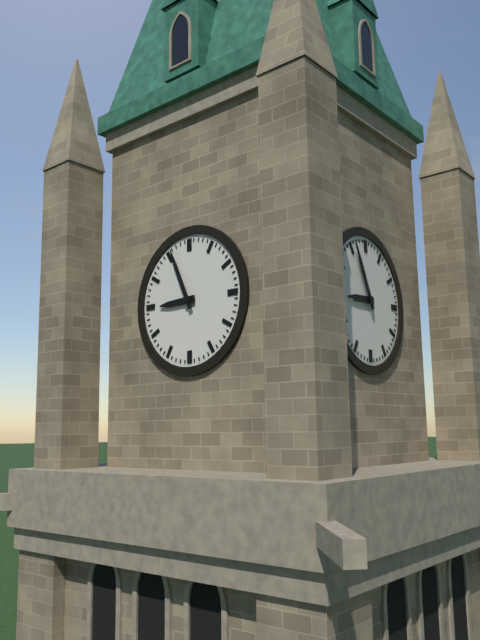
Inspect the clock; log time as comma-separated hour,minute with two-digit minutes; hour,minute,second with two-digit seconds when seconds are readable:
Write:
8,56
